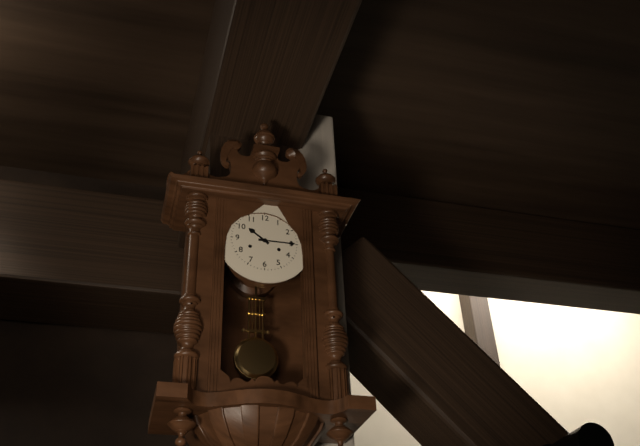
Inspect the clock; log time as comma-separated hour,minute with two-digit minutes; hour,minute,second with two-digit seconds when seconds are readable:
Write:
10,15
